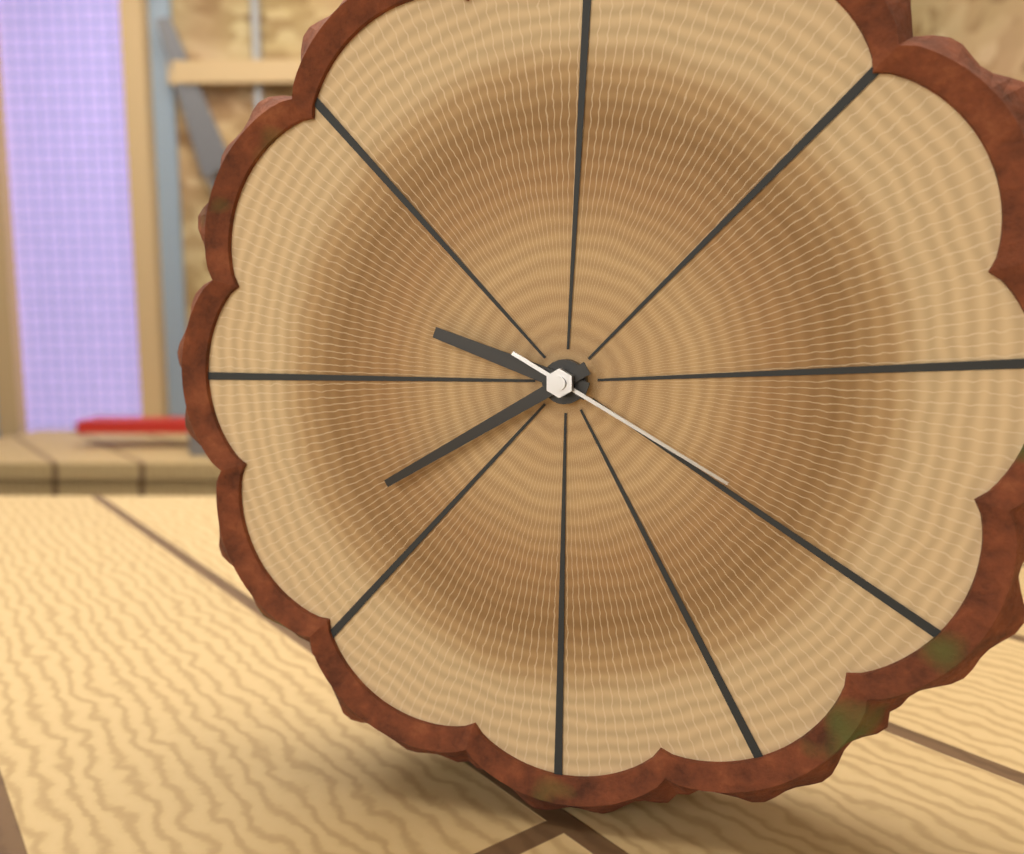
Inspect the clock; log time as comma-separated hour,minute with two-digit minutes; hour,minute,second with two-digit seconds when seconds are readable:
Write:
9,40,20
